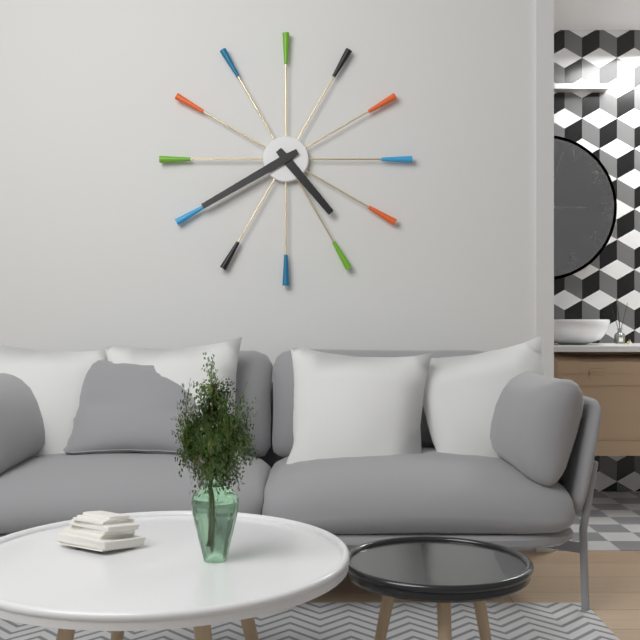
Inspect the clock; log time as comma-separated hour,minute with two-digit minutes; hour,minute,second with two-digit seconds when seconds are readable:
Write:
4,40
